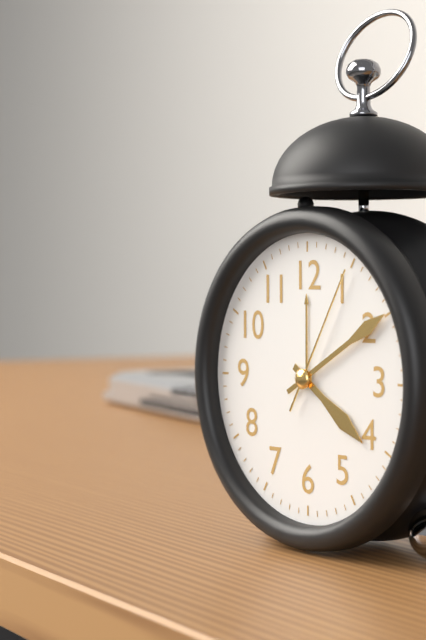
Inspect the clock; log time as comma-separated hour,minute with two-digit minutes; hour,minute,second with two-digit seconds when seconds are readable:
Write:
4,10,05
